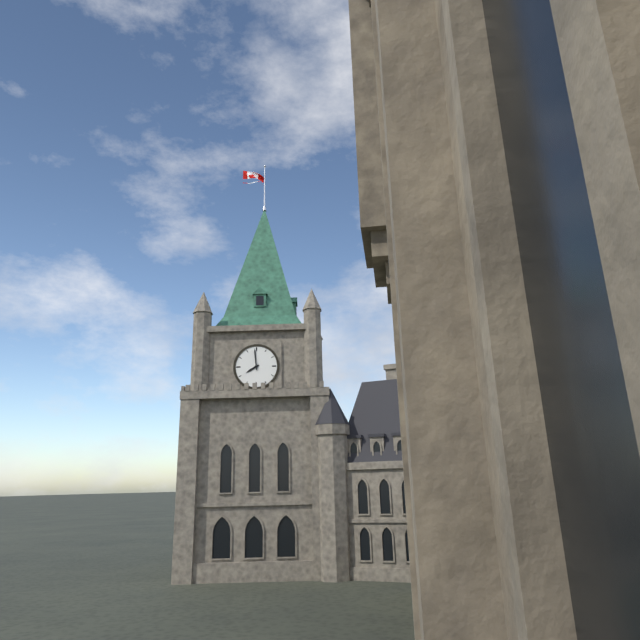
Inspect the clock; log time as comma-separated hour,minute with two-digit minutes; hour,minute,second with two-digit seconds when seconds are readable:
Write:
7,59
